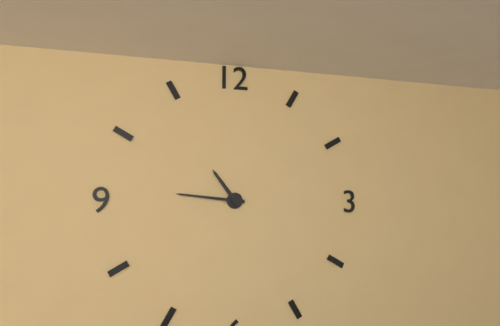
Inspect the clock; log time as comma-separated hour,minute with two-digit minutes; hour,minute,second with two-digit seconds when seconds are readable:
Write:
10,46
